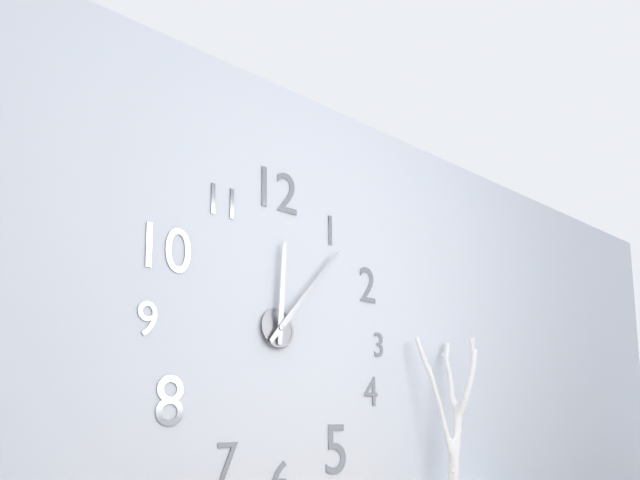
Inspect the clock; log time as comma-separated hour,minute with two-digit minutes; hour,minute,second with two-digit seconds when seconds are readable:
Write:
12,07
